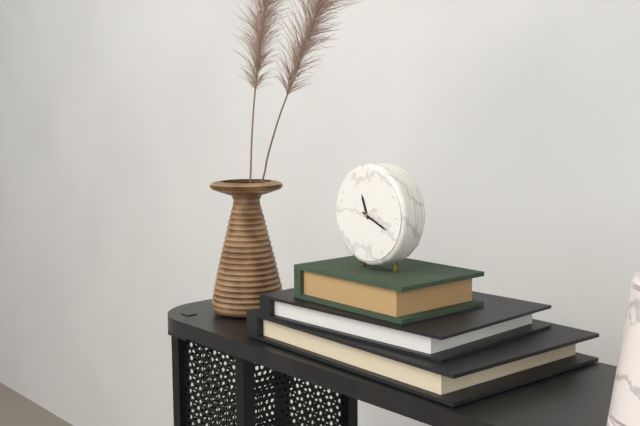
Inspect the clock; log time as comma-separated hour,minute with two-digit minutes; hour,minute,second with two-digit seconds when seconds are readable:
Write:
11,19
